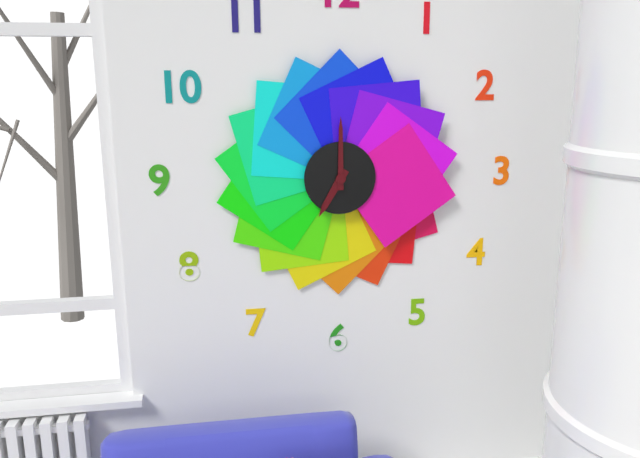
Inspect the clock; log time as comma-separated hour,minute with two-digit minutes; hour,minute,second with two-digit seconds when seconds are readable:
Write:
7,00
